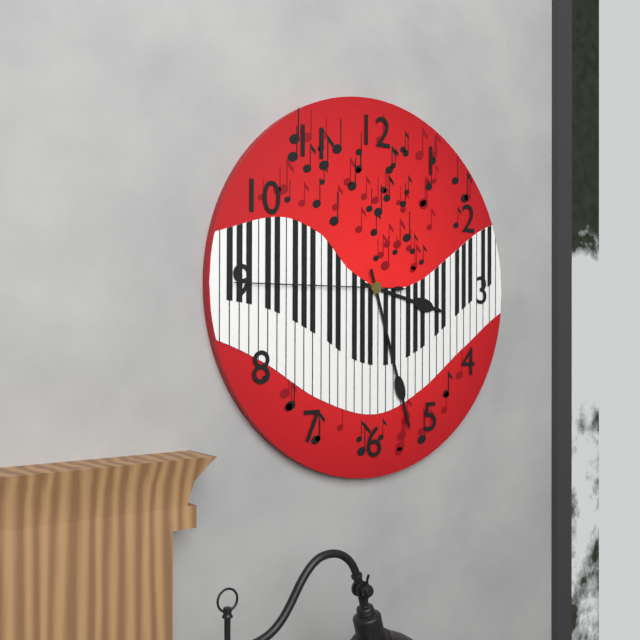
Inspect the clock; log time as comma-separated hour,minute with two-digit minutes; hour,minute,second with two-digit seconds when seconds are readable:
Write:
3,27,45
